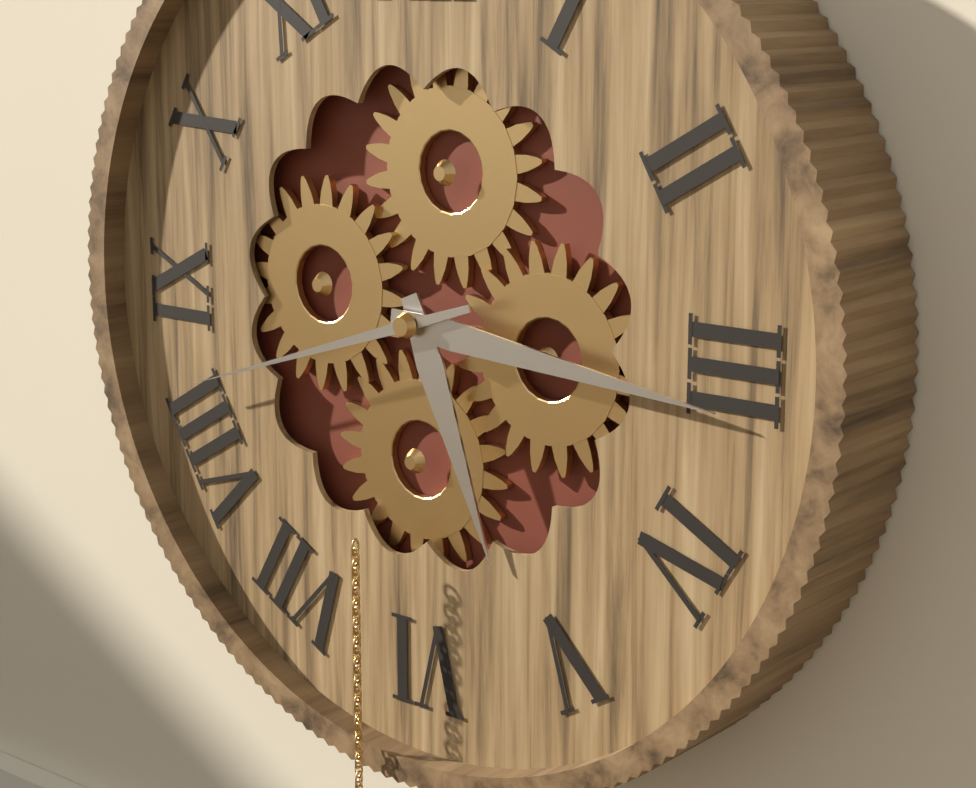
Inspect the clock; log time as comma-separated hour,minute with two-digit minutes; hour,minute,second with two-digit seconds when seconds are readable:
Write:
5,16,42
